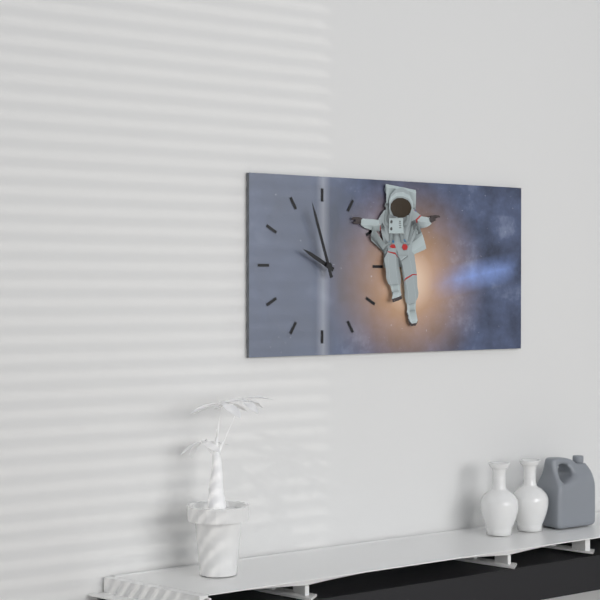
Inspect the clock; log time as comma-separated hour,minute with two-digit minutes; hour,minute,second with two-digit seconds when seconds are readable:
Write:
9,57
